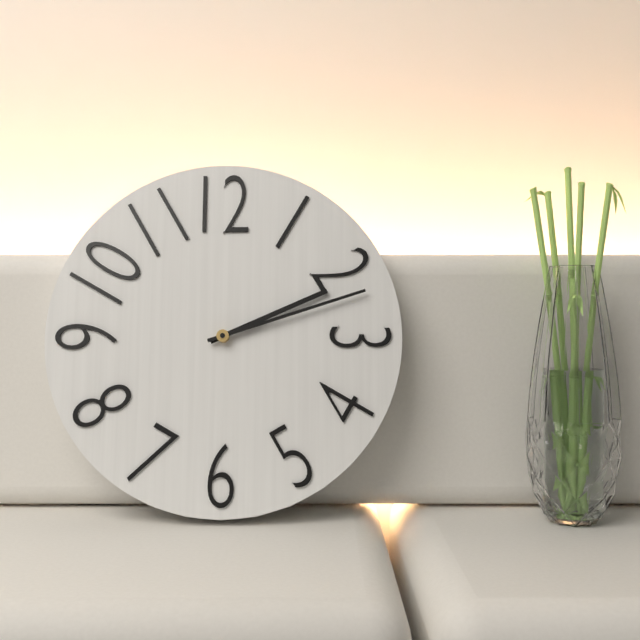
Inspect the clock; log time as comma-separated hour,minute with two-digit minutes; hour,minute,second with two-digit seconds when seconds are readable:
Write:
2,12
